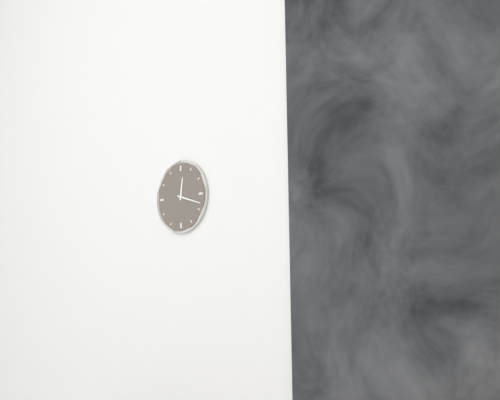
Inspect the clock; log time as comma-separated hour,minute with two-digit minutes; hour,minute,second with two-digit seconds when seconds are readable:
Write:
12,18
